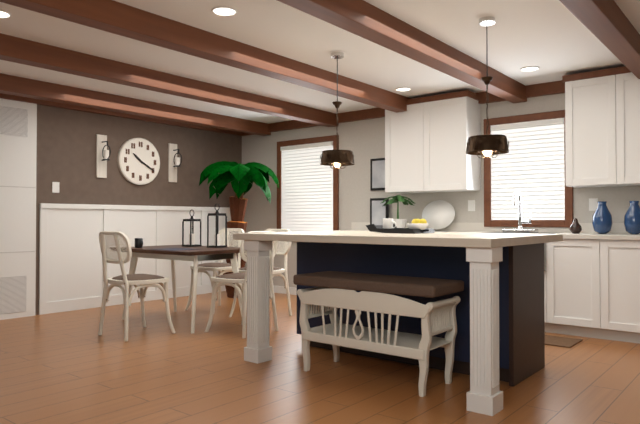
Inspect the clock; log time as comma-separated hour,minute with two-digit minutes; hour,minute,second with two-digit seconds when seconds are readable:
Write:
10,20
